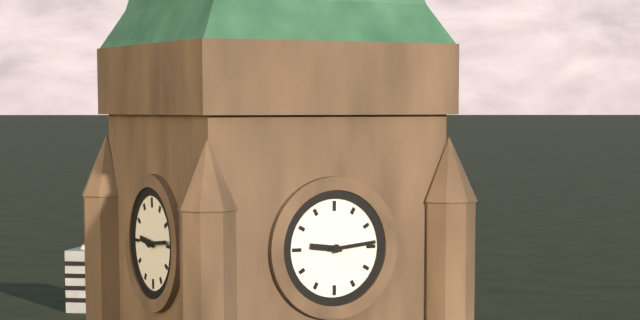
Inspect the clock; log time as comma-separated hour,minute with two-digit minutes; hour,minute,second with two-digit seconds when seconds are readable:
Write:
9,14
